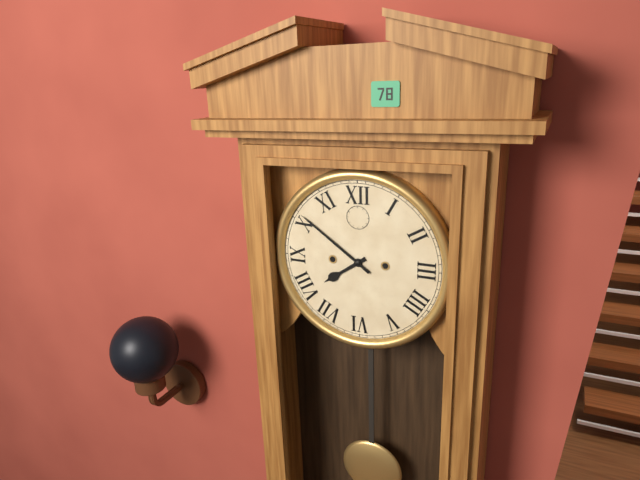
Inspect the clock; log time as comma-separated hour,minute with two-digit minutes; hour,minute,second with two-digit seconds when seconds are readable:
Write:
7,51
